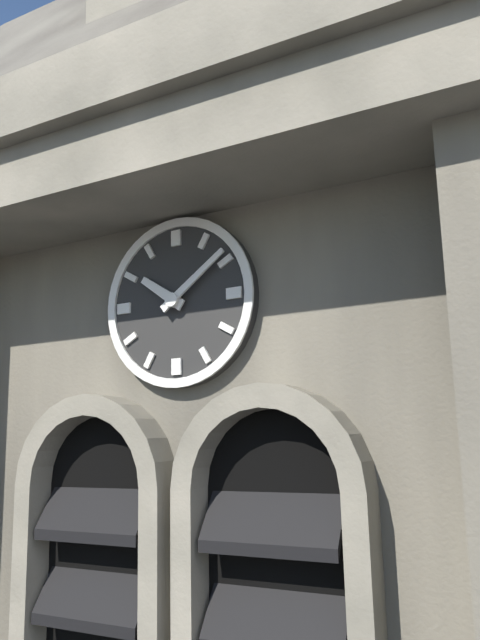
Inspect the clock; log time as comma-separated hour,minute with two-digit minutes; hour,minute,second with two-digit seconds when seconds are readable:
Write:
10,09
